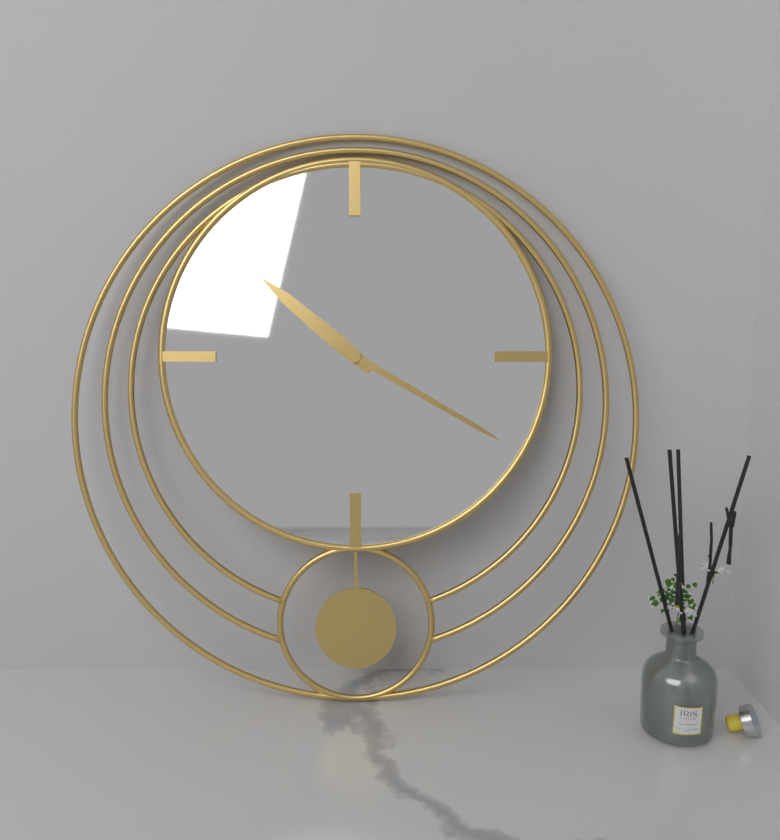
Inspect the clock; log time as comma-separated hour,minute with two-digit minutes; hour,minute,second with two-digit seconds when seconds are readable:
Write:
10,20
